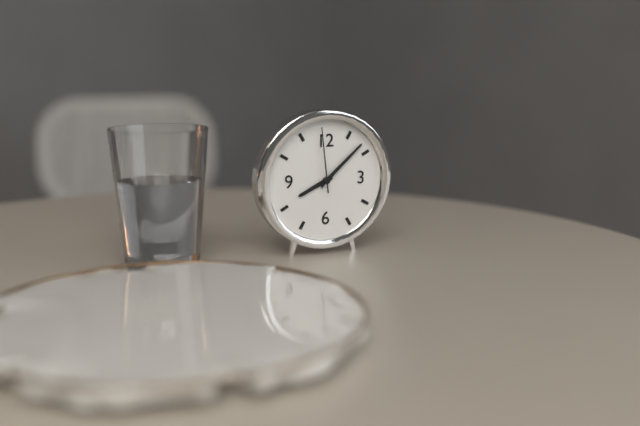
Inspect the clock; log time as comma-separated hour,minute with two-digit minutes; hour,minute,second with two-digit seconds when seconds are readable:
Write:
8,08,59
